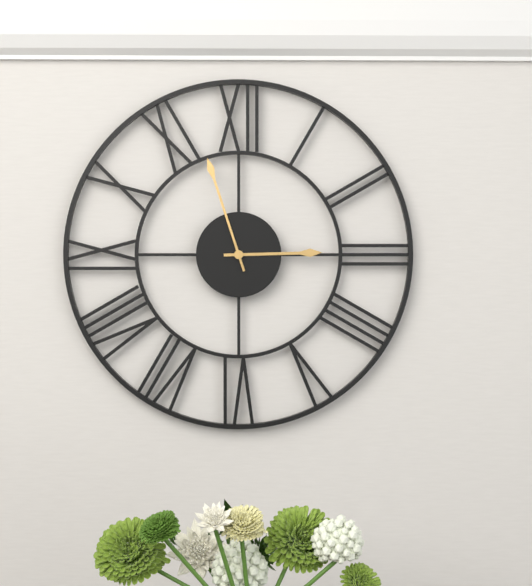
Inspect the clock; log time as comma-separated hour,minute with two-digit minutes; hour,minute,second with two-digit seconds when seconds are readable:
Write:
2,57
